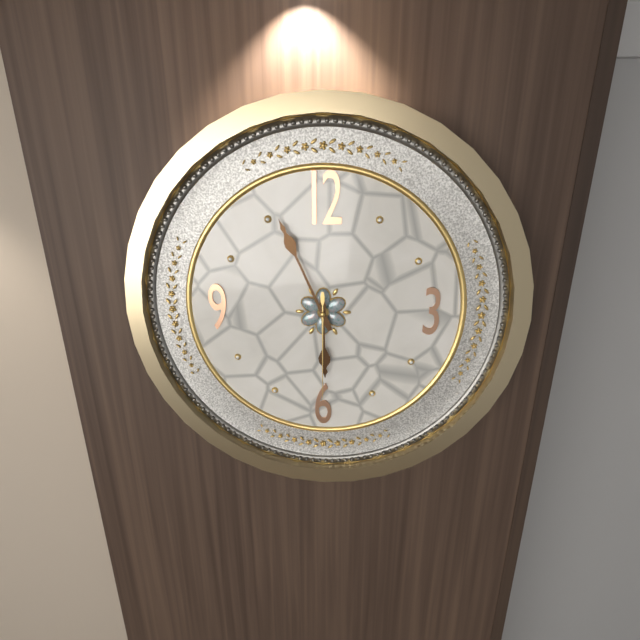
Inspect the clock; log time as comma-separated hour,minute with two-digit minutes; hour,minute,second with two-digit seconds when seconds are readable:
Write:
5,56,30
